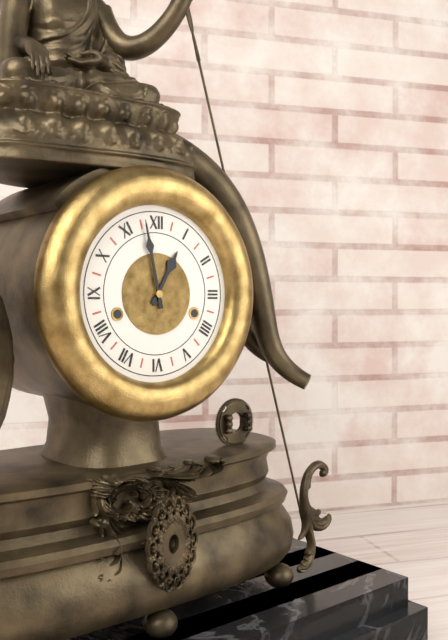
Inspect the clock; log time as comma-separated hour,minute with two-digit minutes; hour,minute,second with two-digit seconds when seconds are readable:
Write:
12,58
